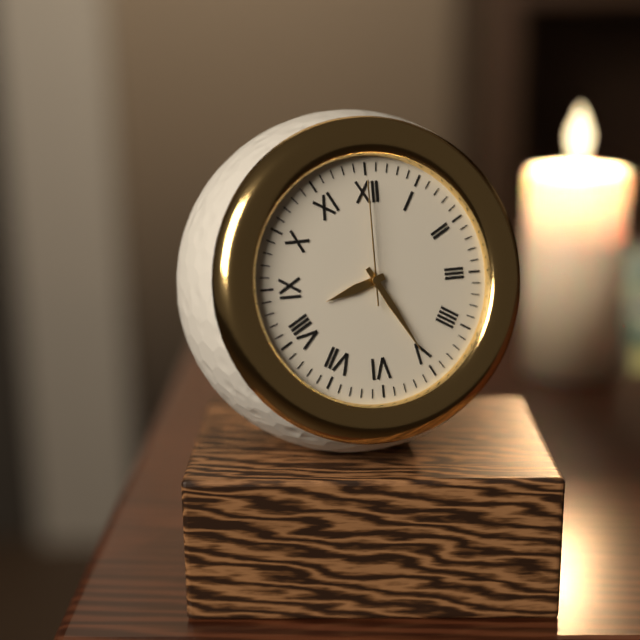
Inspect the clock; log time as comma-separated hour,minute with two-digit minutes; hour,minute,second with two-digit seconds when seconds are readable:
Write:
8,25,00
